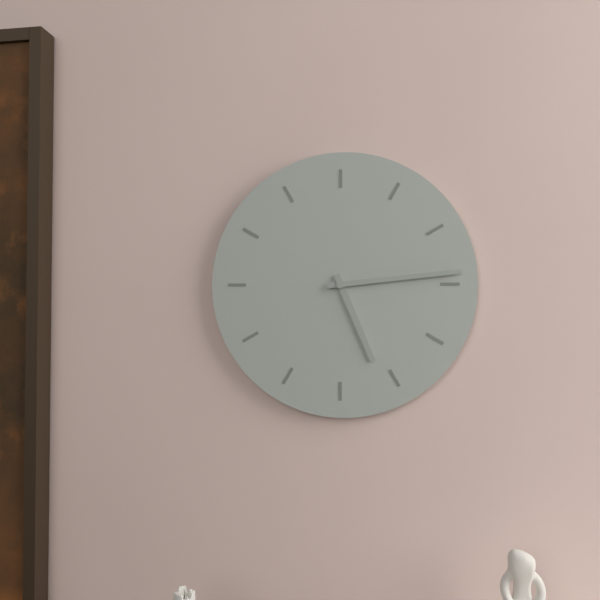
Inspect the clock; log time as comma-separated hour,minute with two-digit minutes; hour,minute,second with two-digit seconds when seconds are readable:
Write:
5,14
